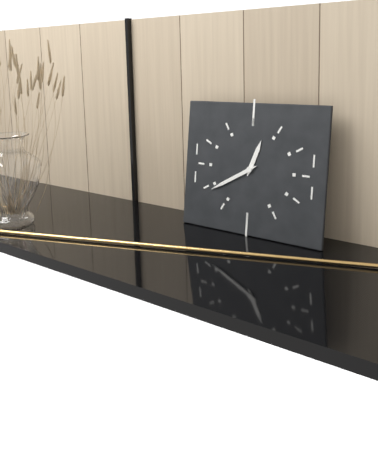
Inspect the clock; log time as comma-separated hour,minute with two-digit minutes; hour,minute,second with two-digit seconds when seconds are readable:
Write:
12,40
